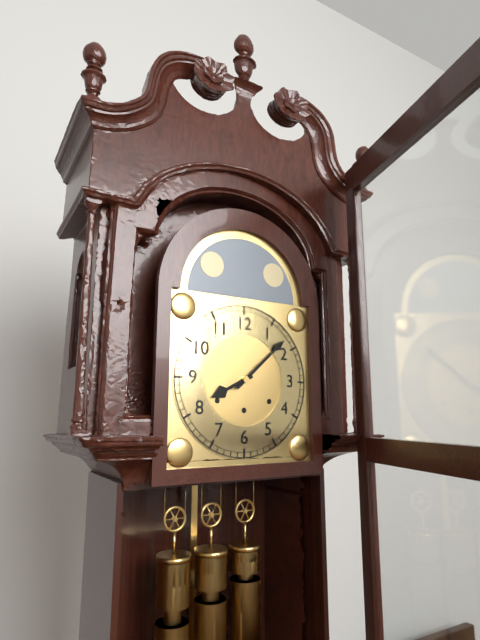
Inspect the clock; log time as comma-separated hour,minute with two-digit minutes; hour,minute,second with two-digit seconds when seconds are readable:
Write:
8,08
